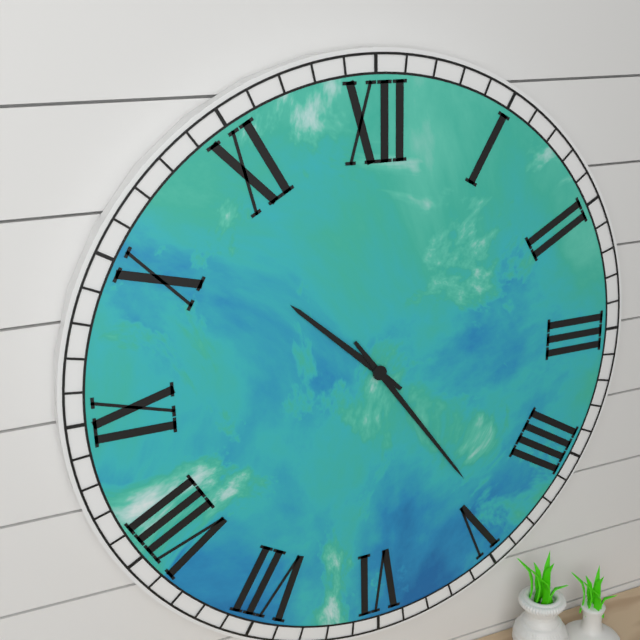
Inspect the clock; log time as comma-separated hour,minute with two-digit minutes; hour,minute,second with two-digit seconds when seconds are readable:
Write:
10,24
